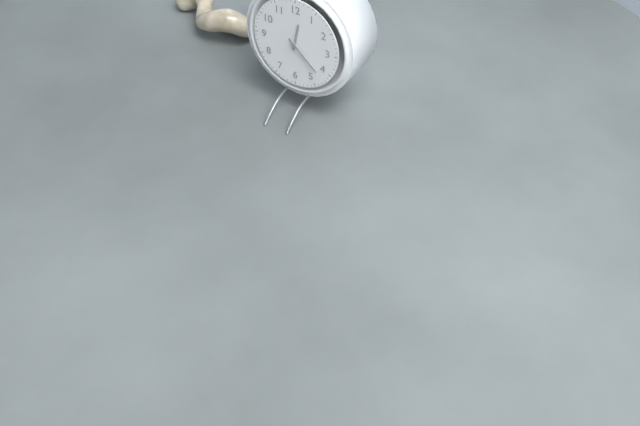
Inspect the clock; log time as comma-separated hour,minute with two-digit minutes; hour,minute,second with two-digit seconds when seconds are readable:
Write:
12,22
